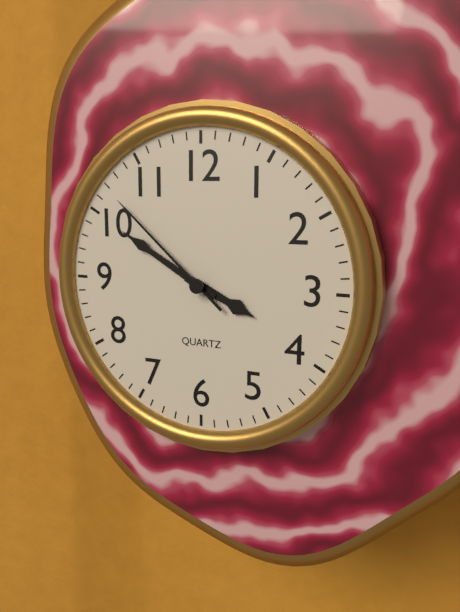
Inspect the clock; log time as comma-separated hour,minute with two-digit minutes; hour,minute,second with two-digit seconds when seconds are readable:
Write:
3,50,52
